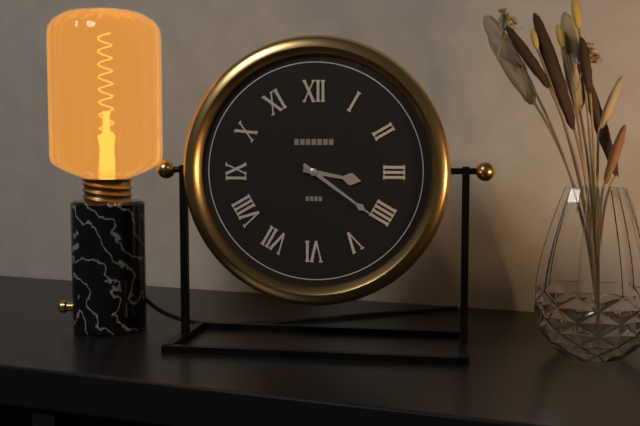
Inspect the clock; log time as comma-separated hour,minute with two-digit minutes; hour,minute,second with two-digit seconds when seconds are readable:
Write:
3,21
